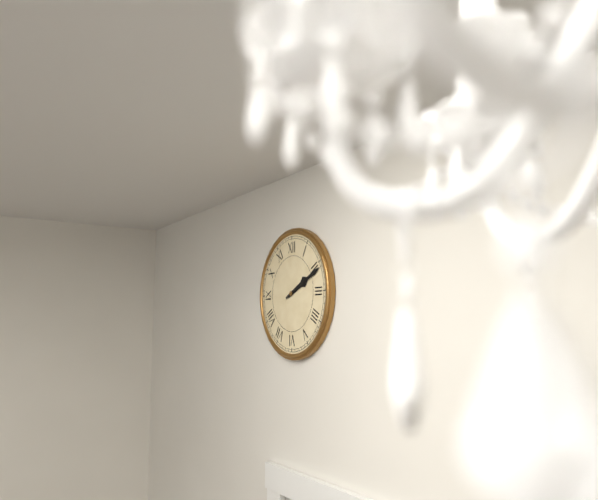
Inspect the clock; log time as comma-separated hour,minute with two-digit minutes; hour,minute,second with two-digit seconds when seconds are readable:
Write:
2,11
